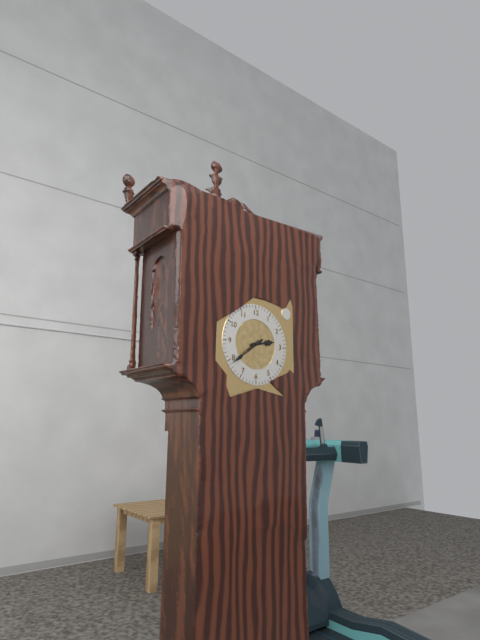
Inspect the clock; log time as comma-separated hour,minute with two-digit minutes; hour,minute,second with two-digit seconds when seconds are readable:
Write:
2,39
